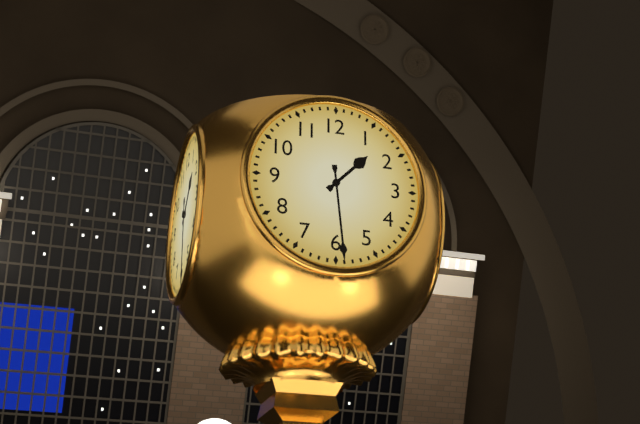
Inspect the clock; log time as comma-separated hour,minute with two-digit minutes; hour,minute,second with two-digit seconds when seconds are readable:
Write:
1,29
